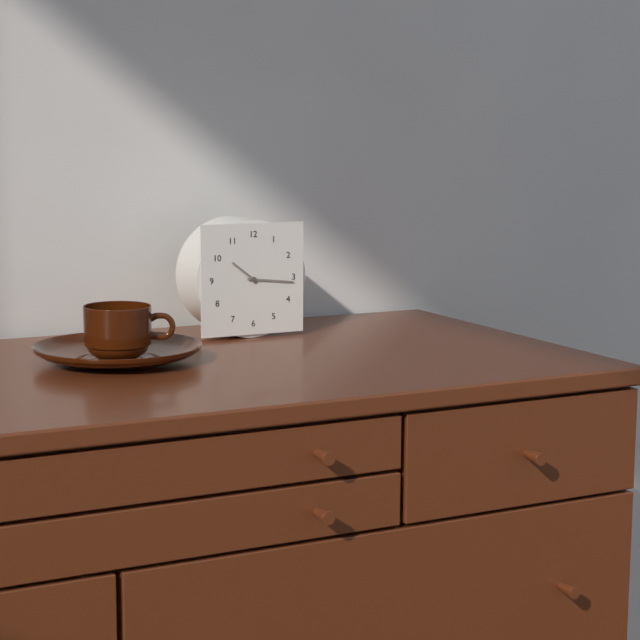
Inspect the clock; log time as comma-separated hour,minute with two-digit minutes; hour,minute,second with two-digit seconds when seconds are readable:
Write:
10,16
